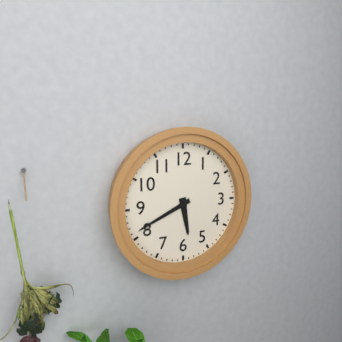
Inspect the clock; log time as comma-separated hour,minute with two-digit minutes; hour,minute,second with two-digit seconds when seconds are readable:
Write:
5,41
